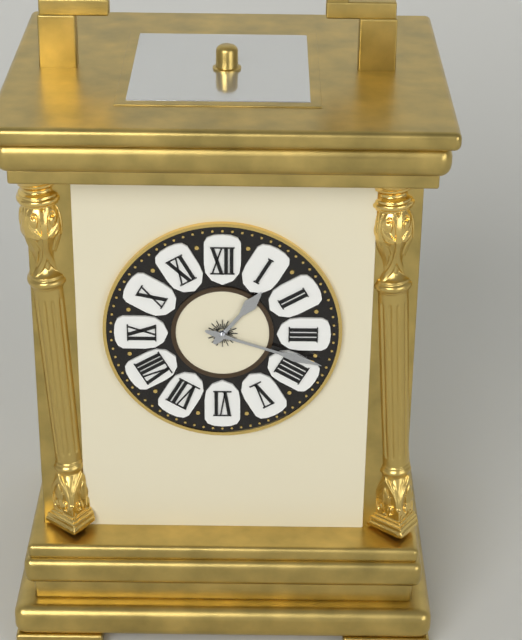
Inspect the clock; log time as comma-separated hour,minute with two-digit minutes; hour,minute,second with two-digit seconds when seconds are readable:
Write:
1,18
